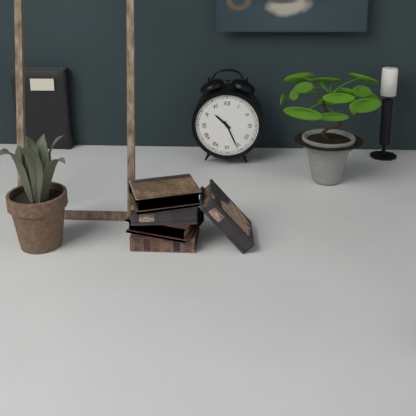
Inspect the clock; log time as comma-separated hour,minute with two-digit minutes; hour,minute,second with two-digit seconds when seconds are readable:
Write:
10,26
